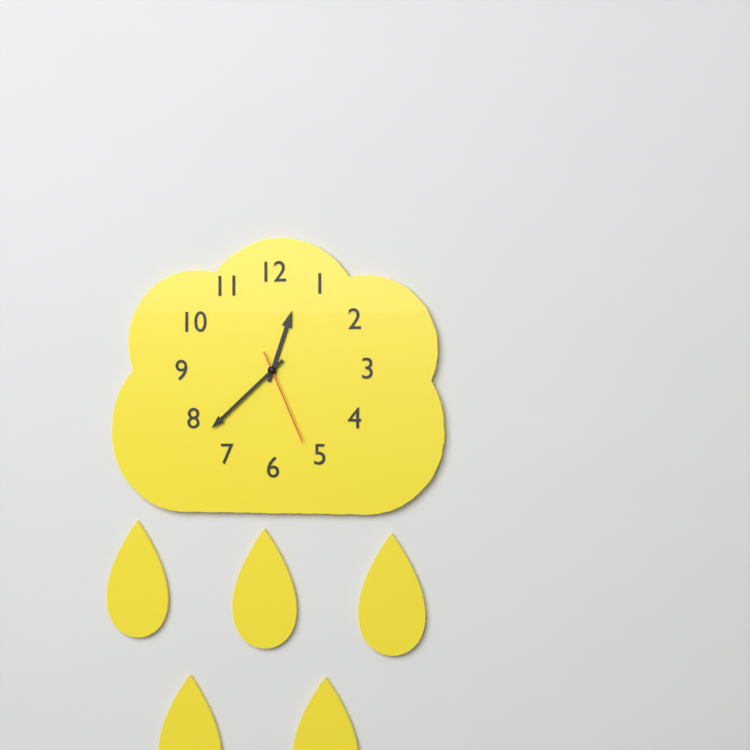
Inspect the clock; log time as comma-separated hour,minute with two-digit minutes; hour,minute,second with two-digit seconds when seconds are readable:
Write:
12,38,26
